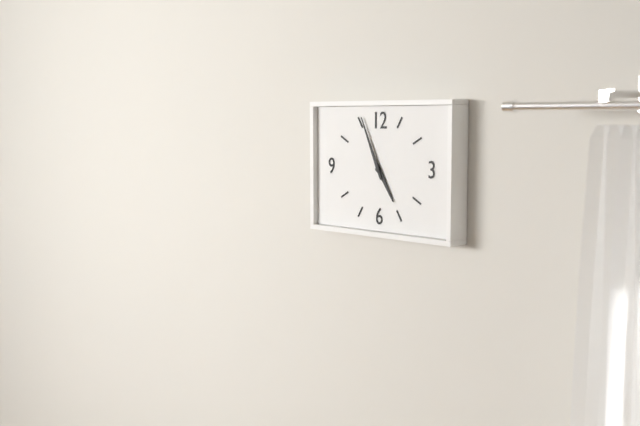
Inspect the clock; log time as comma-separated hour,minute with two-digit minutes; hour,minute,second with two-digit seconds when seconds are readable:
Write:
4,56
